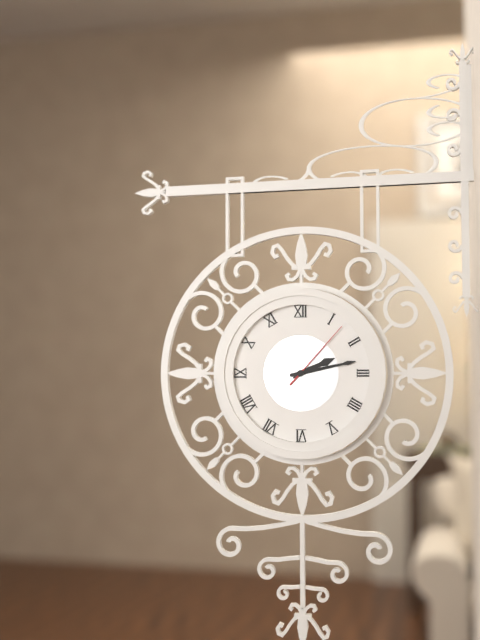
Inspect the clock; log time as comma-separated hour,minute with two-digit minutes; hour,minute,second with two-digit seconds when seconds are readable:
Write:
2,13,07
